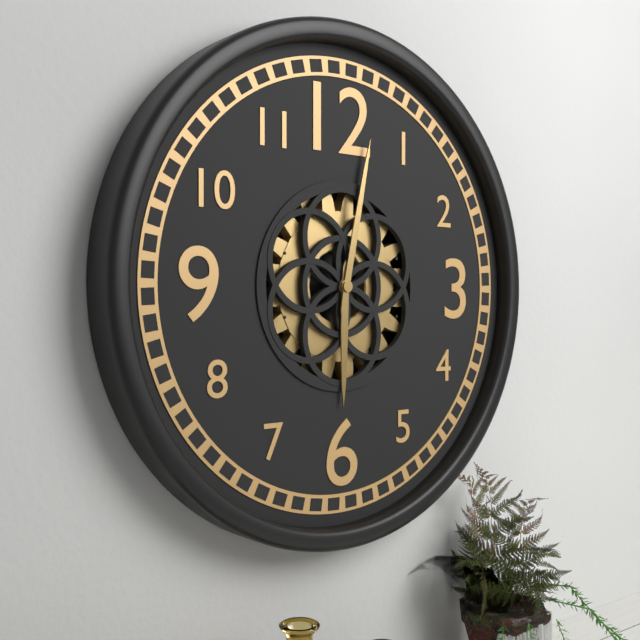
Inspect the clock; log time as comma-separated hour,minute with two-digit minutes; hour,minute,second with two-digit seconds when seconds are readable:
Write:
6,02
